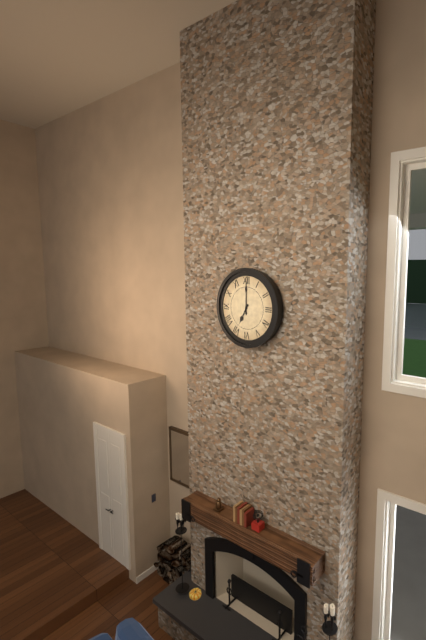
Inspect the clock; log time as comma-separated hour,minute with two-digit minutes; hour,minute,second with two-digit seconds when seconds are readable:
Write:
7,00
